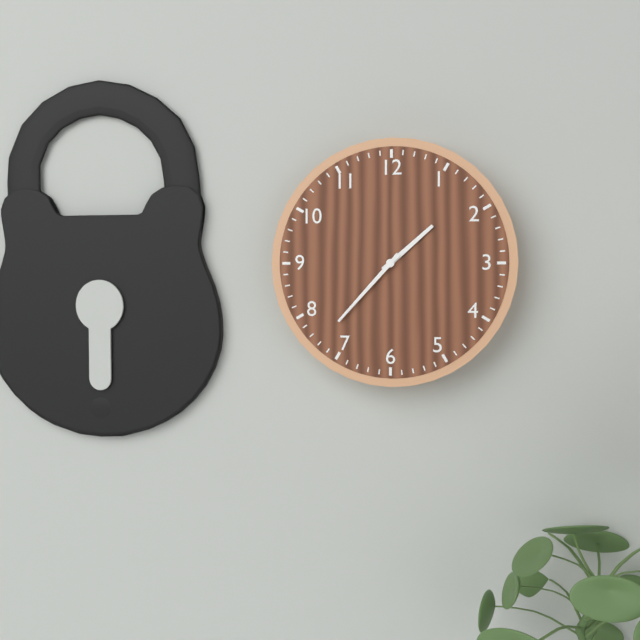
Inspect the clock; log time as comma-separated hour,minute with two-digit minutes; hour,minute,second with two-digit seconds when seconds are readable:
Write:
1,37
